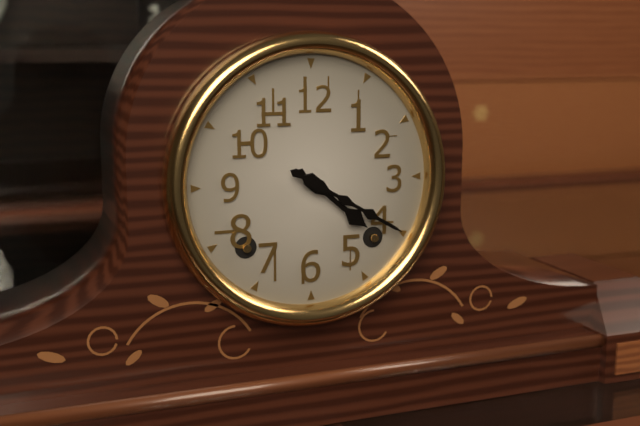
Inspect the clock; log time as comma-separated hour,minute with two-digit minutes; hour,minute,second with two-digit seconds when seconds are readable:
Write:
4,20
